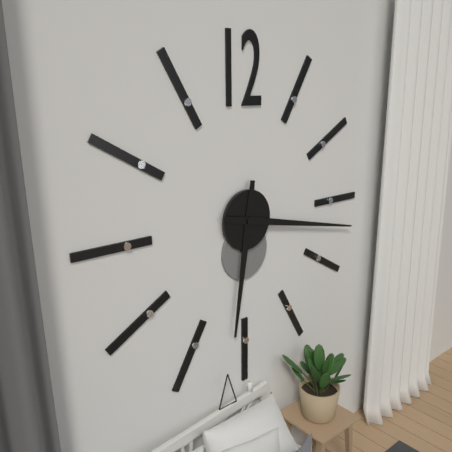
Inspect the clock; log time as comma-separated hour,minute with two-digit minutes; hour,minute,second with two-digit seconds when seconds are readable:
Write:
6,17
